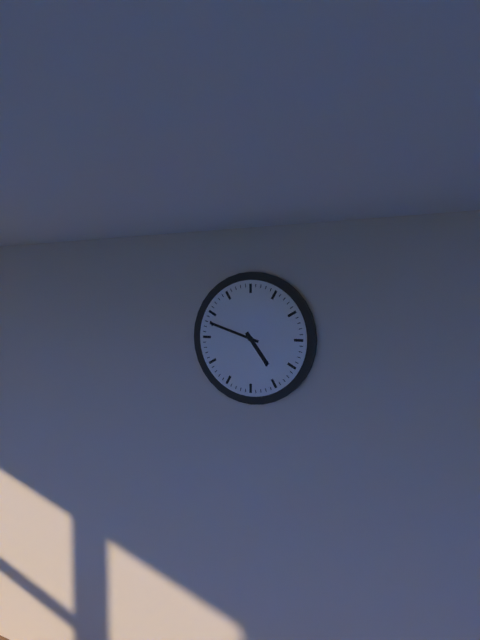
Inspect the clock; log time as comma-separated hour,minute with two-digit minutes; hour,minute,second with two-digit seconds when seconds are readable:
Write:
4,48
